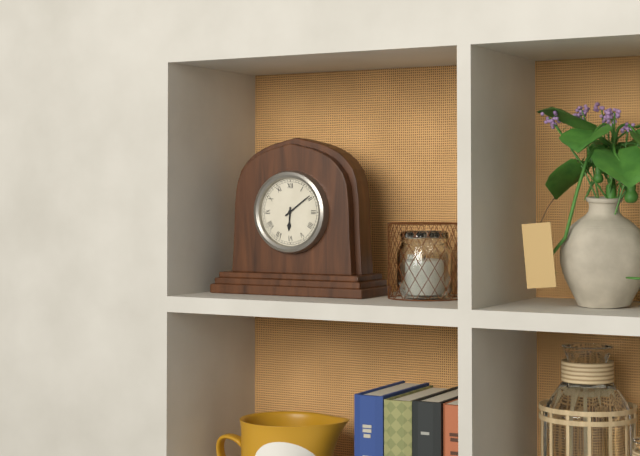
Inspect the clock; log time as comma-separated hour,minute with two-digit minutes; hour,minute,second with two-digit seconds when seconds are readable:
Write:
6,09
